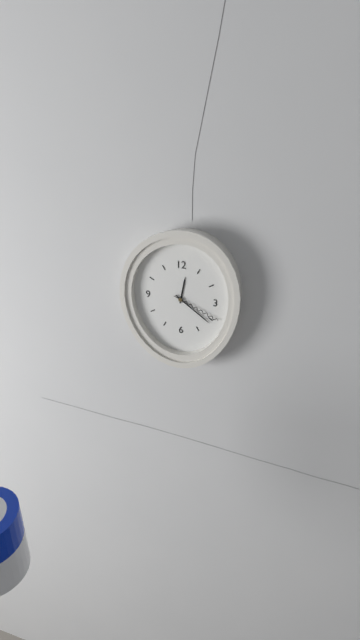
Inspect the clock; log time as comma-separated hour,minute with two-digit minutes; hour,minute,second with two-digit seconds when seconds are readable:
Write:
12,21,19
